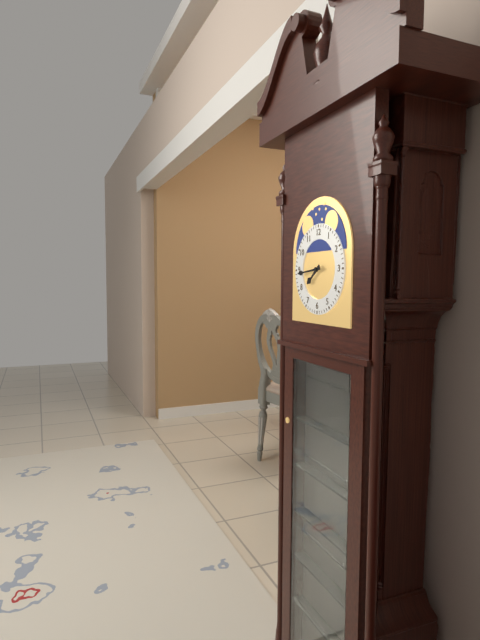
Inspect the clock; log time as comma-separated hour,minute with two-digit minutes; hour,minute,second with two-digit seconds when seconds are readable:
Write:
7,44
